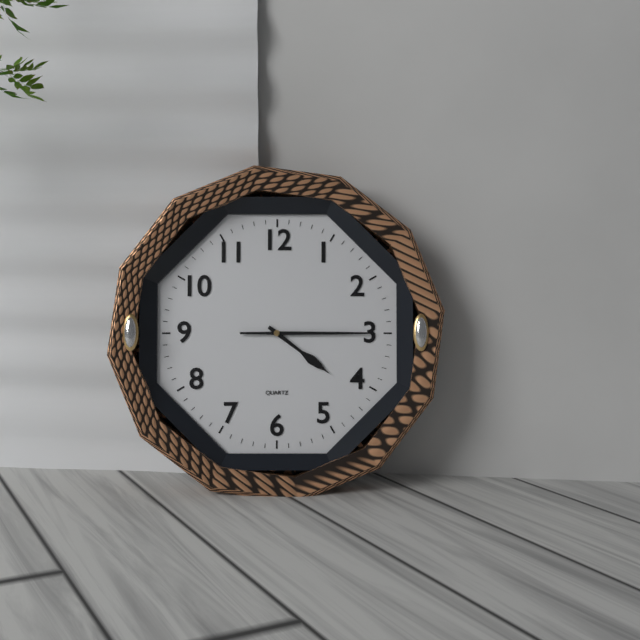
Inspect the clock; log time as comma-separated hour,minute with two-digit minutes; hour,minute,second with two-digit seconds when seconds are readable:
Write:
4,15
